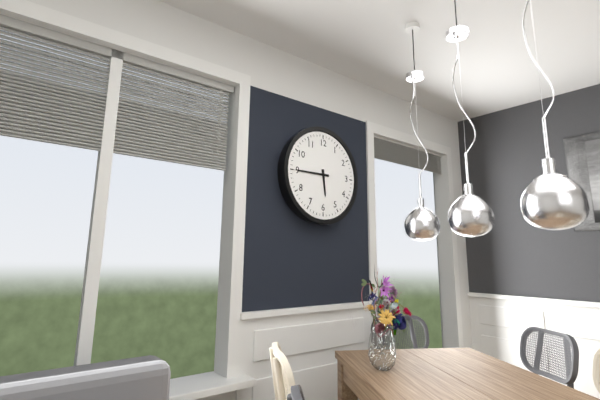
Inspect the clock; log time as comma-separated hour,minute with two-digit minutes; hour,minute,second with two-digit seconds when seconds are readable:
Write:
5,45
